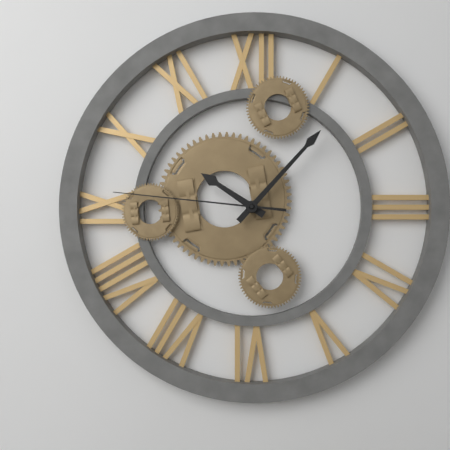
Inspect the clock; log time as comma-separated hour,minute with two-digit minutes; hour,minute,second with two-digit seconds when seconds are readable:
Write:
10,07,46
